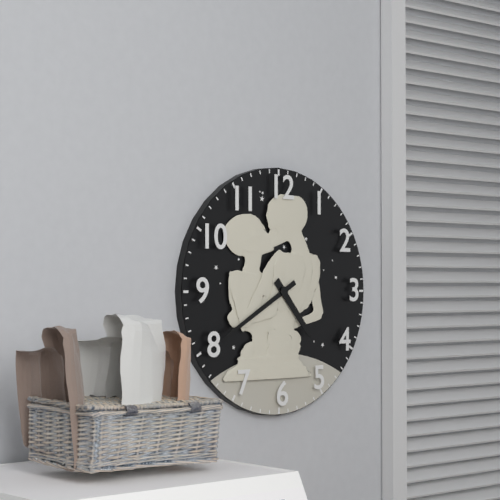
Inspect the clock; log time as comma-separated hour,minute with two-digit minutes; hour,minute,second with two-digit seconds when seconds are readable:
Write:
4,40
